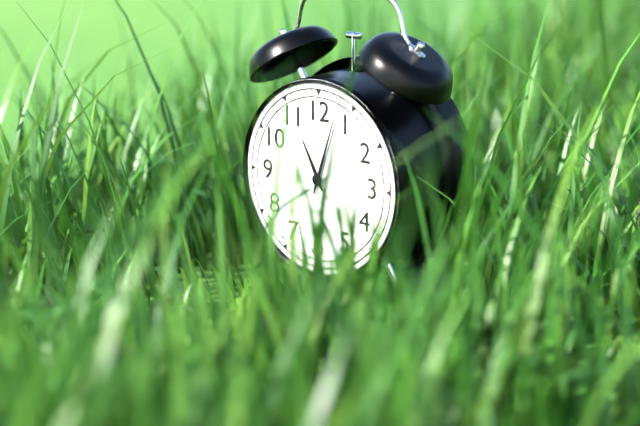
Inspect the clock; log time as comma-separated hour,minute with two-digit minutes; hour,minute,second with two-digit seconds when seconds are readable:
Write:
11,03
